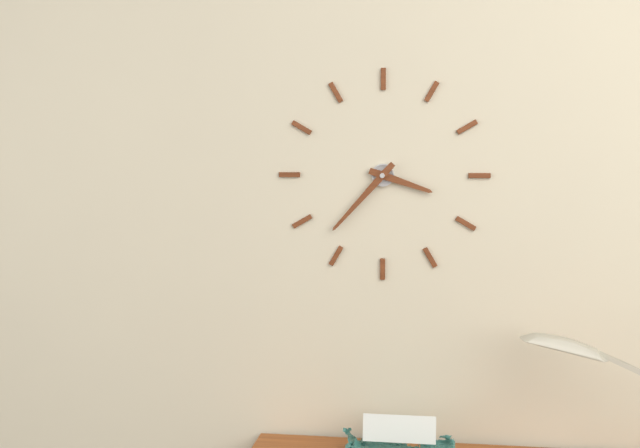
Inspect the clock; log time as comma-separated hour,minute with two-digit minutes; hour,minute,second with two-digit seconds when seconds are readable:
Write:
3,37
